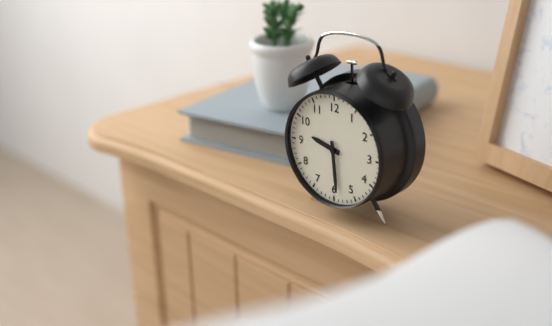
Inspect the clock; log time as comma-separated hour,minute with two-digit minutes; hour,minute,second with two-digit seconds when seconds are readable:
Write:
9,29
